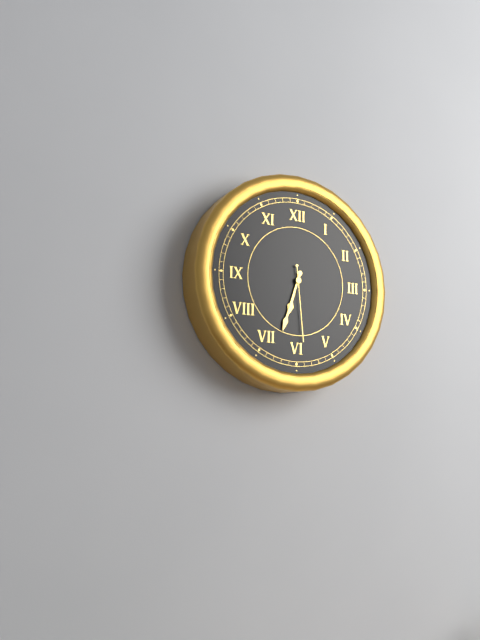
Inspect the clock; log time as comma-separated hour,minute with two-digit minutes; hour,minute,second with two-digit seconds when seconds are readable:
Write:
6,33,29
